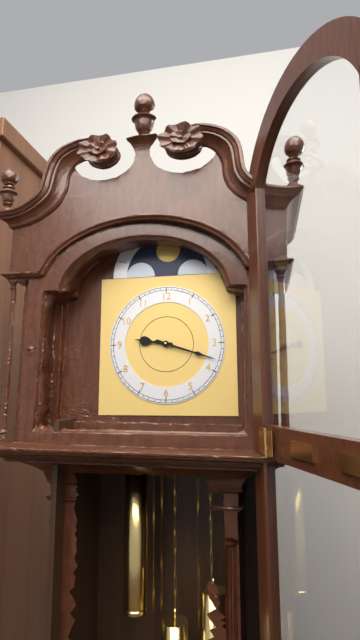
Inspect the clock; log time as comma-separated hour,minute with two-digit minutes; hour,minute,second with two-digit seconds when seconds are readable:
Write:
9,18
